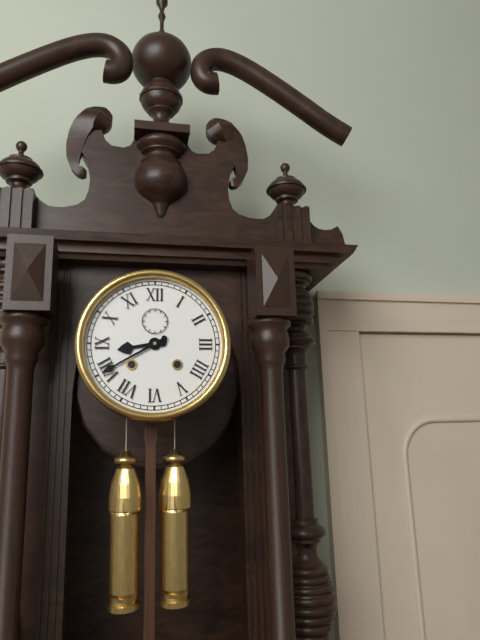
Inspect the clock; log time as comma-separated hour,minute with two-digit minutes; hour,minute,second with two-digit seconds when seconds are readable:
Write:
8,40
